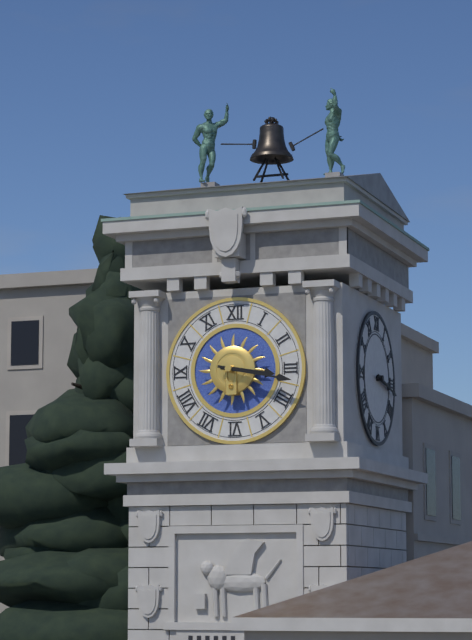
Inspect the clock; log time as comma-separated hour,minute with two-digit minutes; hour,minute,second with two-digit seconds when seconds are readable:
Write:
3,17
